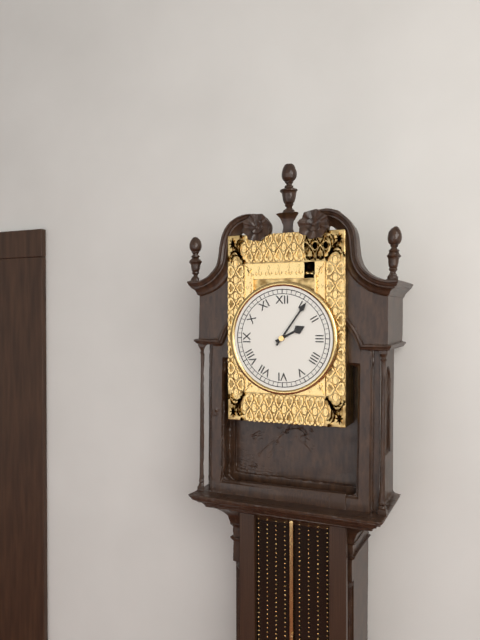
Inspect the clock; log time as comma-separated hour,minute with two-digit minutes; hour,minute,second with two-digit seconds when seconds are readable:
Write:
2,06
